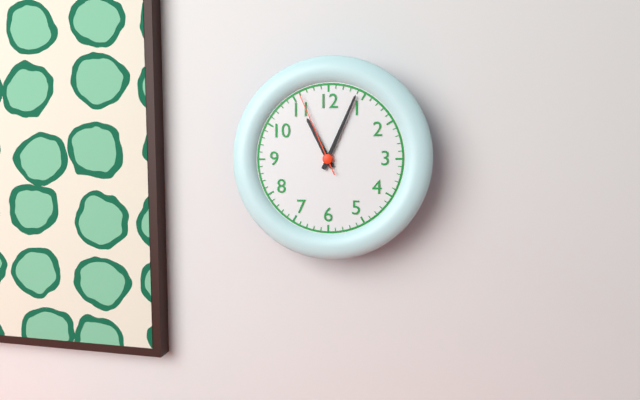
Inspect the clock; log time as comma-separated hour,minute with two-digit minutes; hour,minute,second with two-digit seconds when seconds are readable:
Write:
11,04,56
